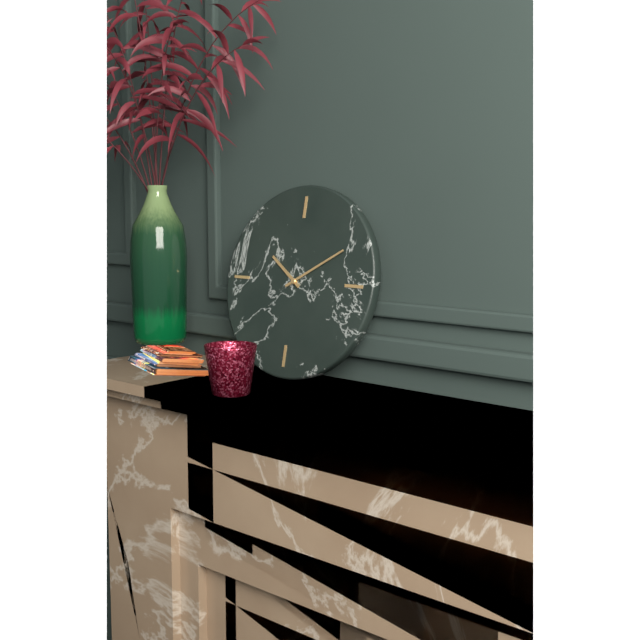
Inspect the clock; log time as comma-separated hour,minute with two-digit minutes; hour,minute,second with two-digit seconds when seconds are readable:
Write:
10,10
